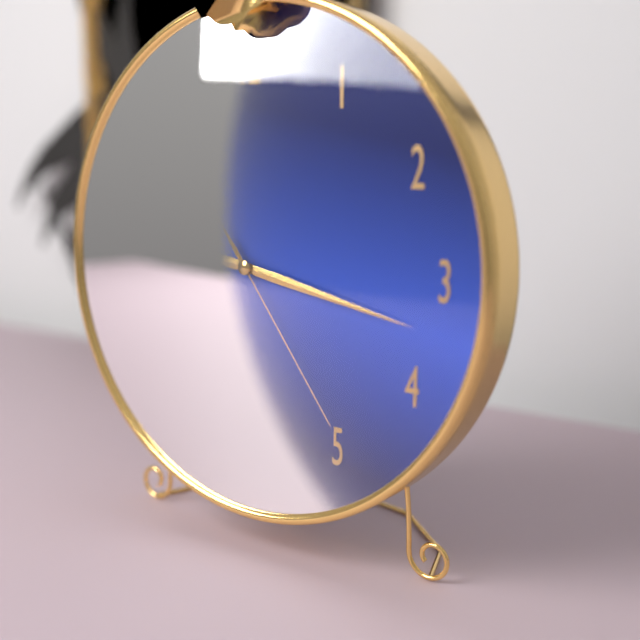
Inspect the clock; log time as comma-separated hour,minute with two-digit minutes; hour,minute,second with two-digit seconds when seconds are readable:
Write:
9,17,24
